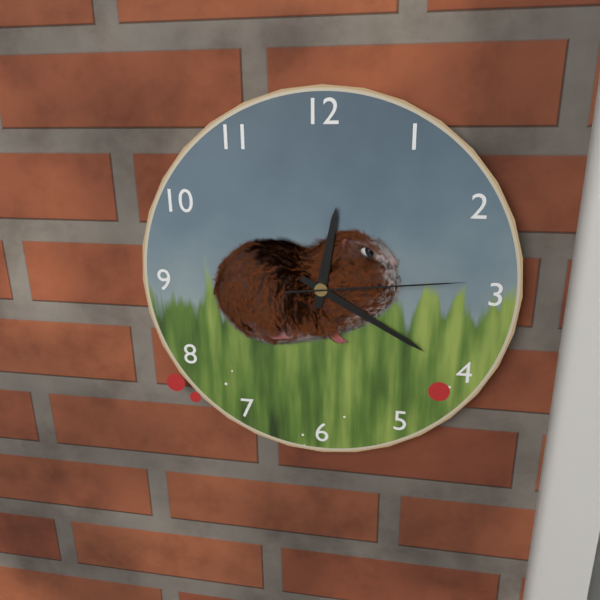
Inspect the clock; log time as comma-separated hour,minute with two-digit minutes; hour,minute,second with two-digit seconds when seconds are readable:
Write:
12,20,14
